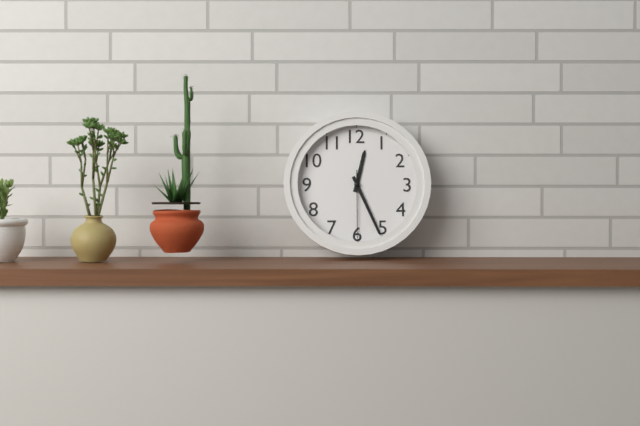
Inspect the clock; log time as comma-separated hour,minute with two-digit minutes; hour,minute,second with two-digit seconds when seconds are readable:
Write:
12,26,30
